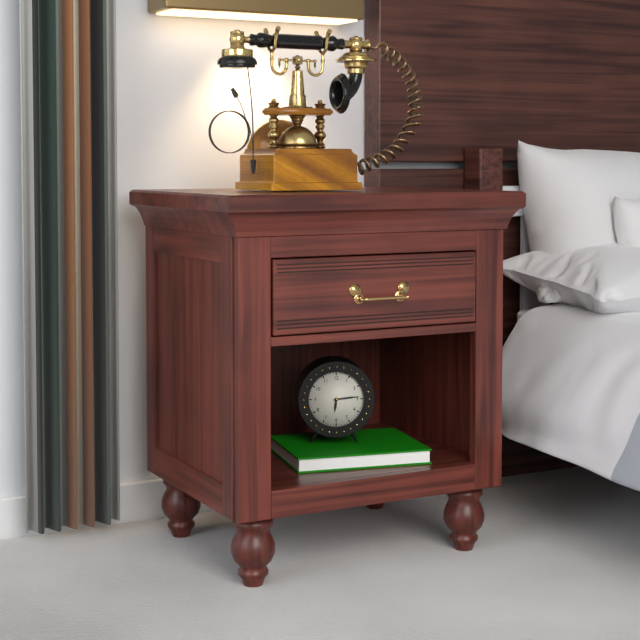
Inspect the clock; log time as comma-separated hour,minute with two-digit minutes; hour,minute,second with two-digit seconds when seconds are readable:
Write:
6,14
